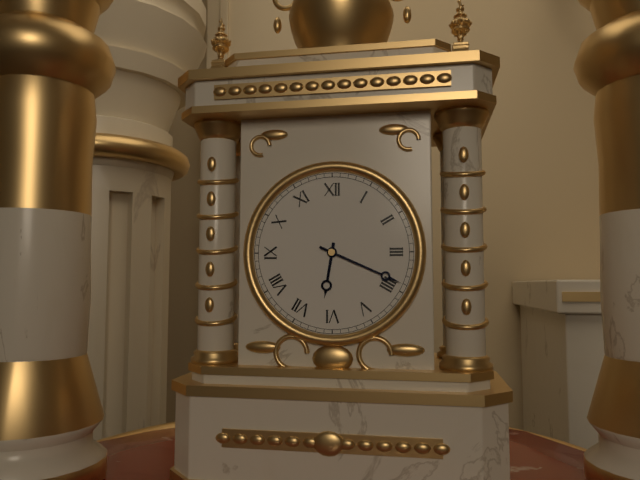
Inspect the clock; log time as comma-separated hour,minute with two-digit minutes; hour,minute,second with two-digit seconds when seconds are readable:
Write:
6,19
